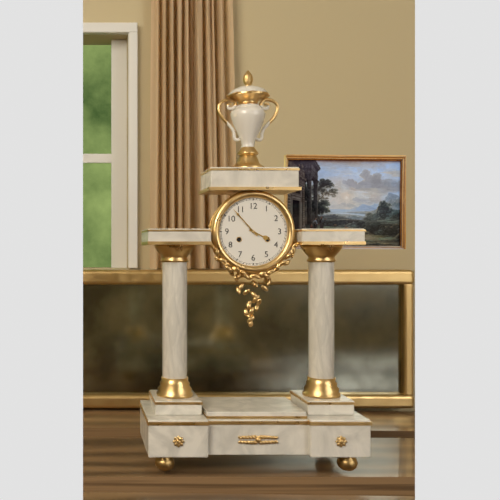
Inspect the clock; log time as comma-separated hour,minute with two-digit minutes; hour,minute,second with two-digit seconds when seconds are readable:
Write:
3,53
